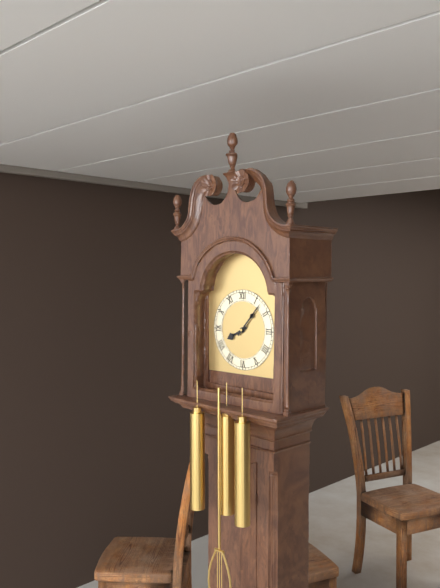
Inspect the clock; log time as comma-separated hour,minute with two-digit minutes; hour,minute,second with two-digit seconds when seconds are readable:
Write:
8,07
